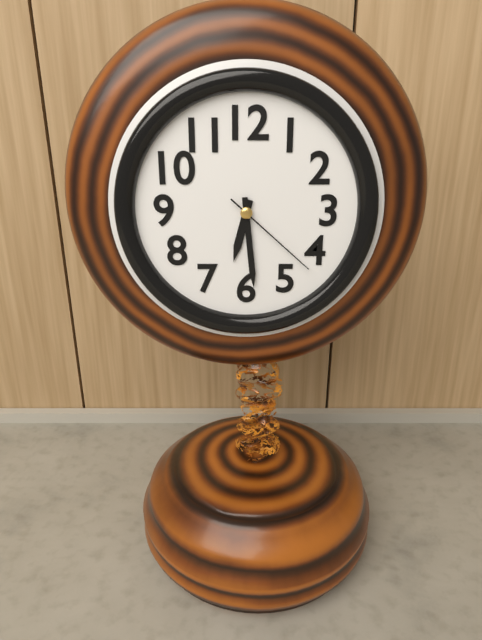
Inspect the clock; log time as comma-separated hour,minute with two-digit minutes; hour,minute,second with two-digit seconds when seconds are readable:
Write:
6,29,22
